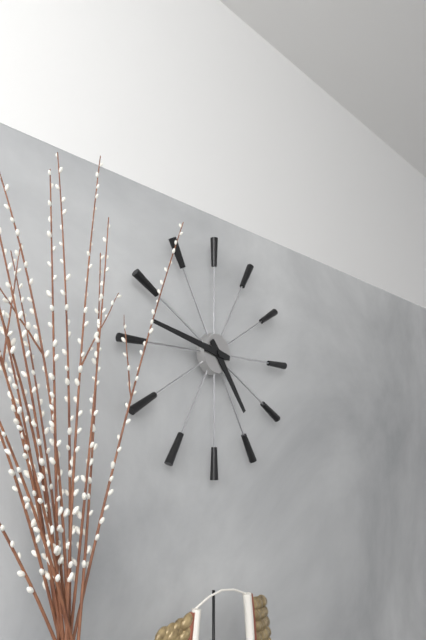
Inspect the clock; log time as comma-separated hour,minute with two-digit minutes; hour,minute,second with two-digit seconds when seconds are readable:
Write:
4,47
